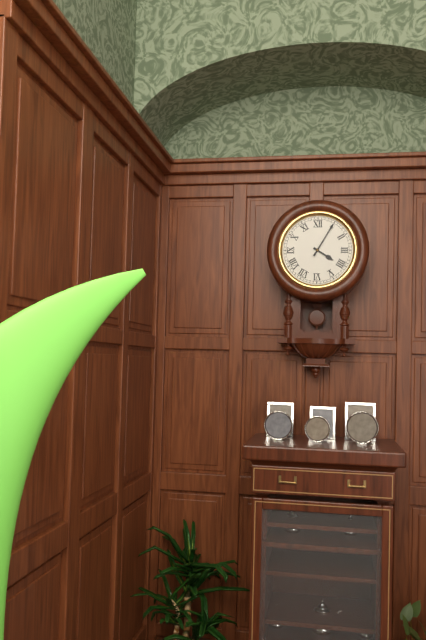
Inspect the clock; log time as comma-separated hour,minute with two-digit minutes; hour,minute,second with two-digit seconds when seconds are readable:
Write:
4,05
